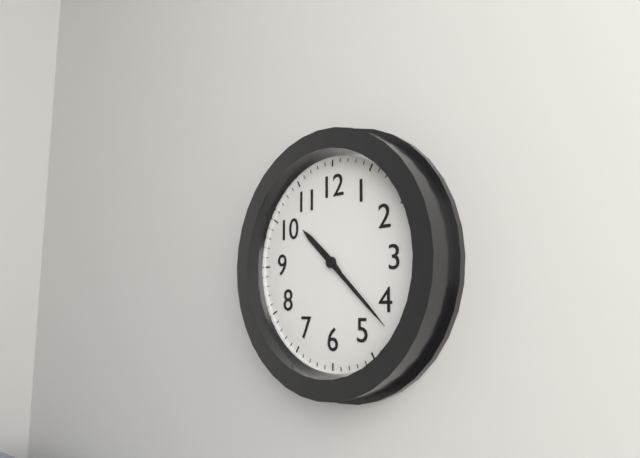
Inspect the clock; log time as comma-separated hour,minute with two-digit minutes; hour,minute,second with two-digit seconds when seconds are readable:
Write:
10,22
